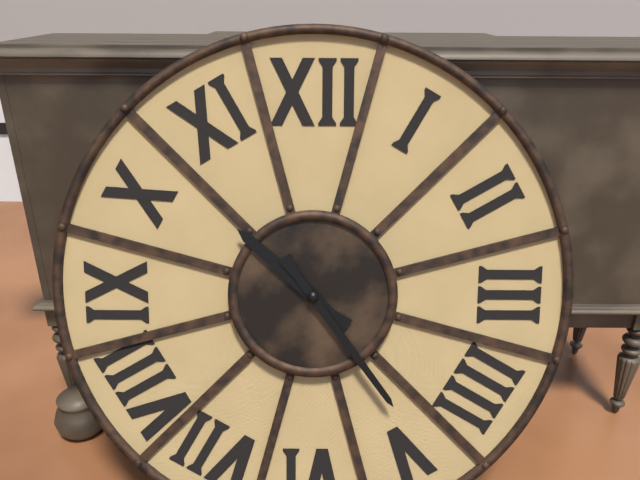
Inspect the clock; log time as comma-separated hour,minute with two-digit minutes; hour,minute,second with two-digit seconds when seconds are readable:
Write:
10,24
